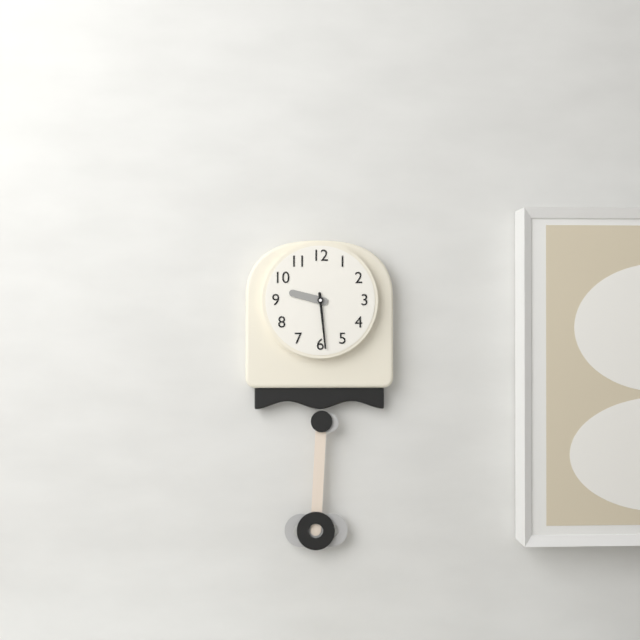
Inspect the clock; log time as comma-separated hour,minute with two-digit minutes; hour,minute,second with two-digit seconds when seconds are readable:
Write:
9,29
